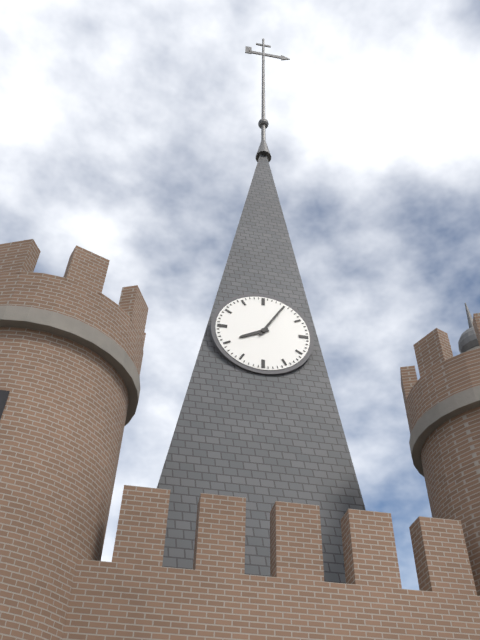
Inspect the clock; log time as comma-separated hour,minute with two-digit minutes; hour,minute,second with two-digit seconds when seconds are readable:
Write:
8,05
